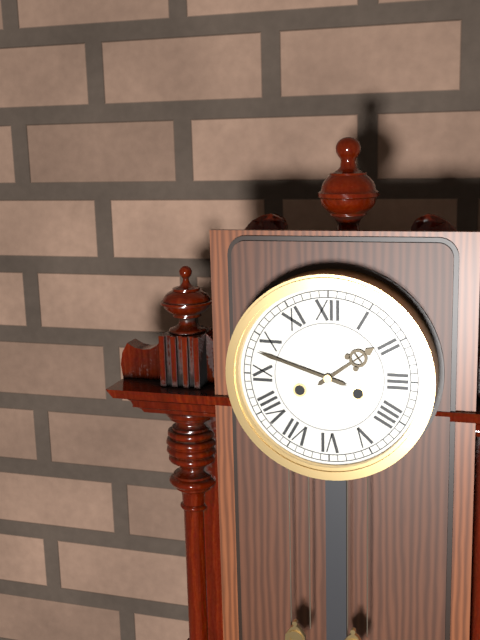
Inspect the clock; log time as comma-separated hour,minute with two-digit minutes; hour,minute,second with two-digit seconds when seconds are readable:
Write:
1,48
